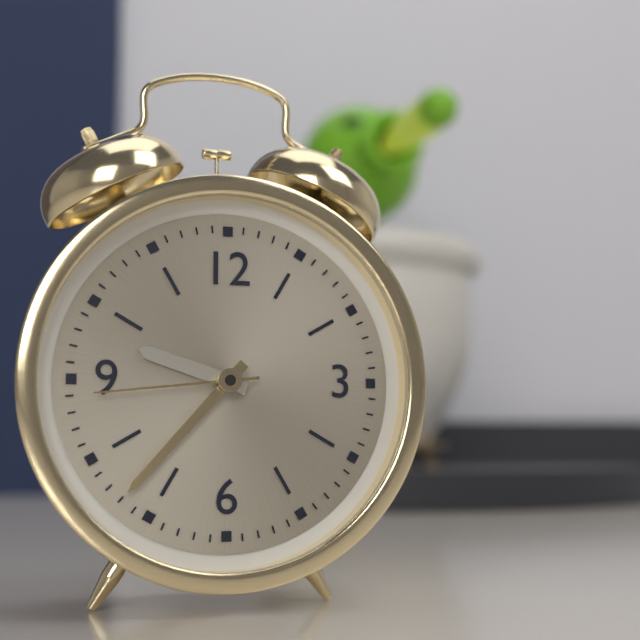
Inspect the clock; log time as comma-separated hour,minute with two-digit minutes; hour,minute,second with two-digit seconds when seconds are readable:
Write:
9,37,44
